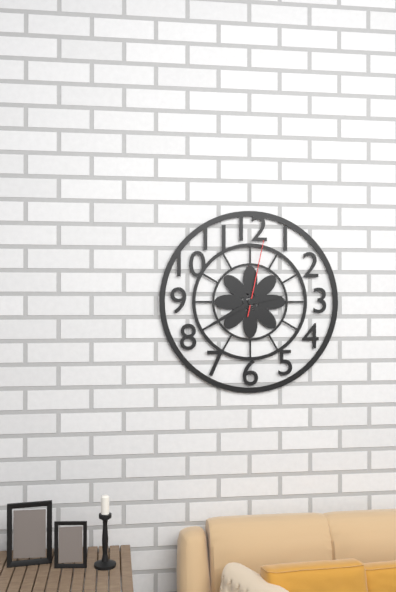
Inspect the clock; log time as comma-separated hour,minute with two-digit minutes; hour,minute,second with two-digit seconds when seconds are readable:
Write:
2,40,02
